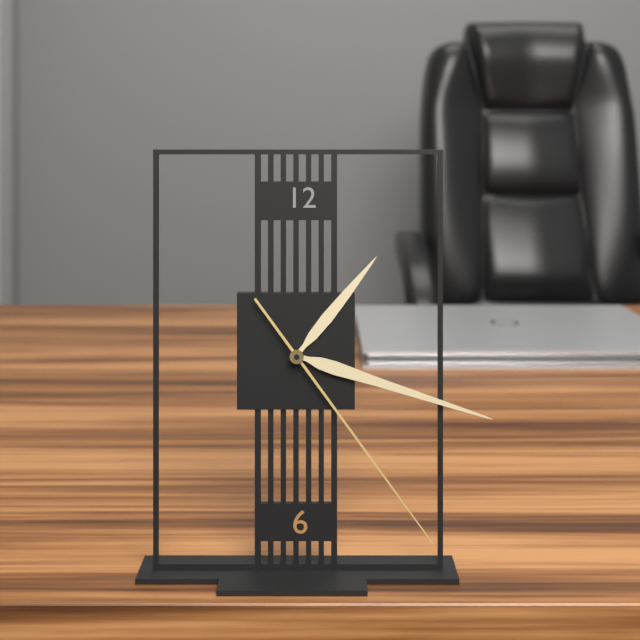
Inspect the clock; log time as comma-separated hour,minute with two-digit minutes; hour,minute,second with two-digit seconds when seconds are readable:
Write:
1,18,24
